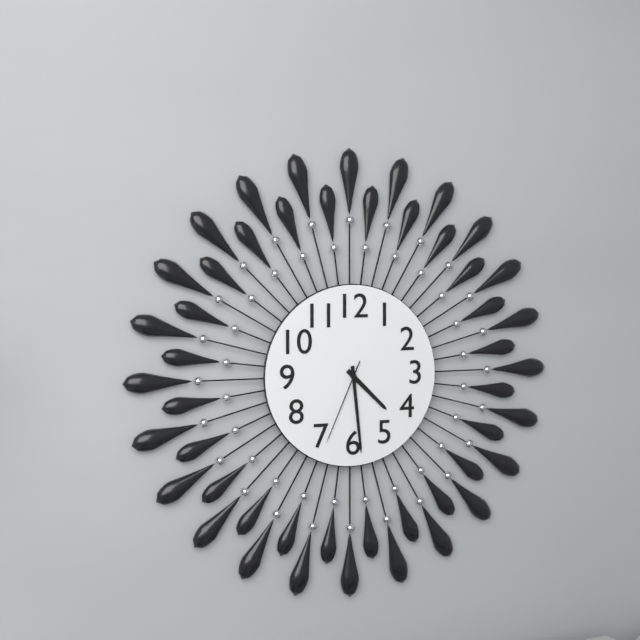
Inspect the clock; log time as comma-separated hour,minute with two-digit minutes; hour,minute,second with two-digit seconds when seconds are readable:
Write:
4,29,34
